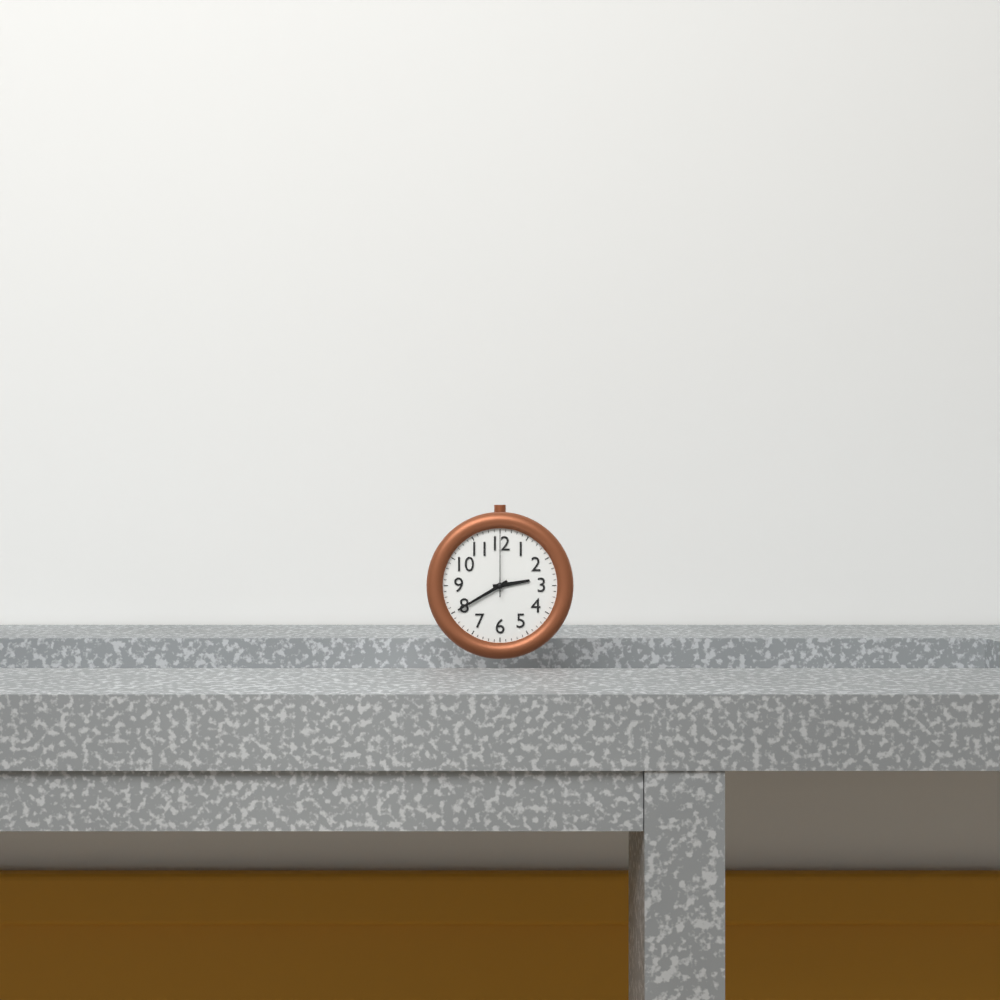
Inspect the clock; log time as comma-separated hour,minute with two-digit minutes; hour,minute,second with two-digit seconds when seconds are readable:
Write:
2,40,00
